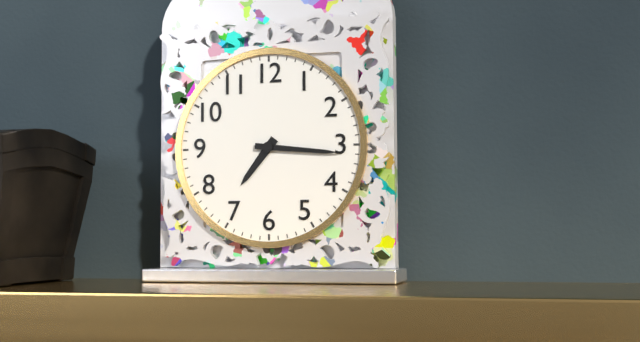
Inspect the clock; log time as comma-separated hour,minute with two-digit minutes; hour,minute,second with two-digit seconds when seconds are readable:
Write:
7,16
